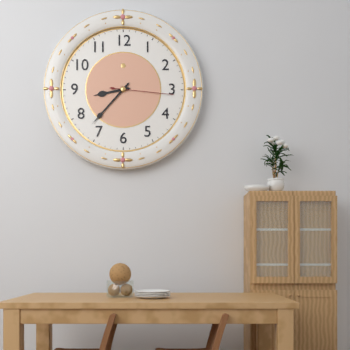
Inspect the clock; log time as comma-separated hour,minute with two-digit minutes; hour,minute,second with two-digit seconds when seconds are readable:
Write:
8,37,16
